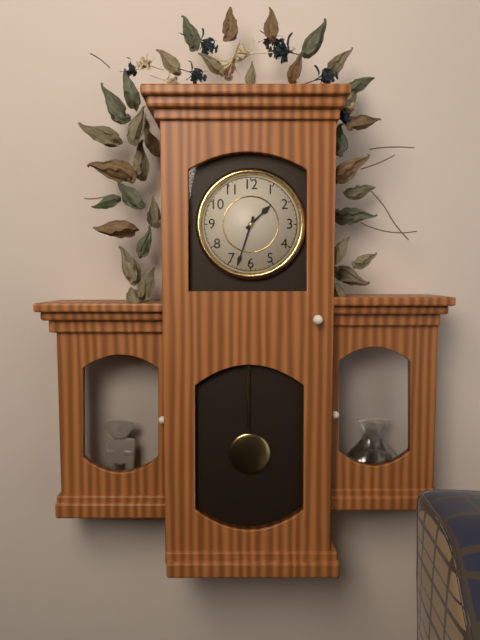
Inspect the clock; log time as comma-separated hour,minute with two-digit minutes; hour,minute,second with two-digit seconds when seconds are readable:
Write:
1,33
